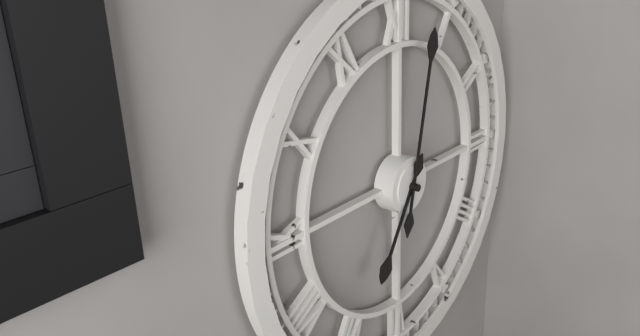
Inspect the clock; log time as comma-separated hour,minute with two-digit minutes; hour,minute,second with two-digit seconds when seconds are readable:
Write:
7,02
